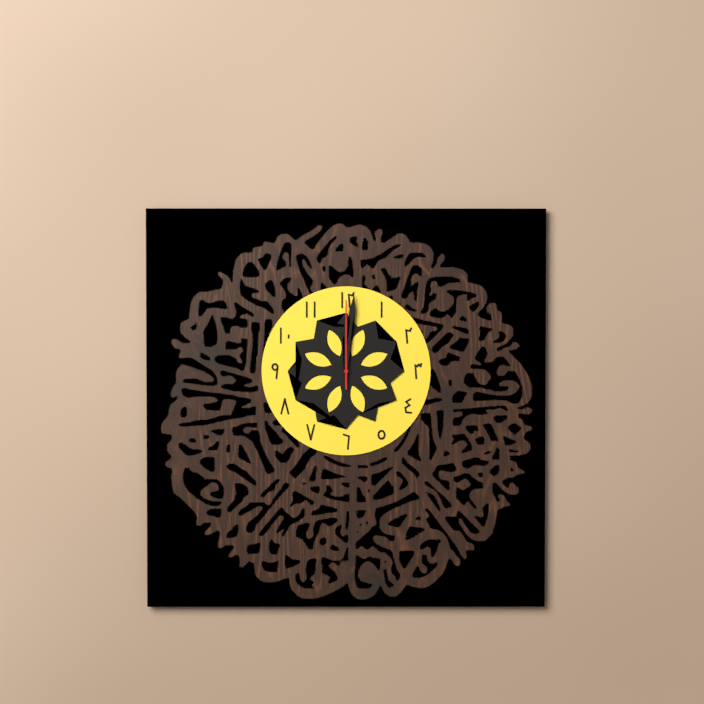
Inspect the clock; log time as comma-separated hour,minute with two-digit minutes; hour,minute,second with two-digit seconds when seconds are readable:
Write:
12,01,00
